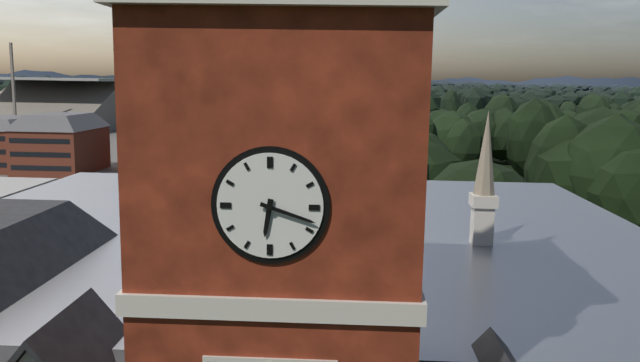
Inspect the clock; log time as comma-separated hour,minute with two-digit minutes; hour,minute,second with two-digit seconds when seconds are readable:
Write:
6,18
